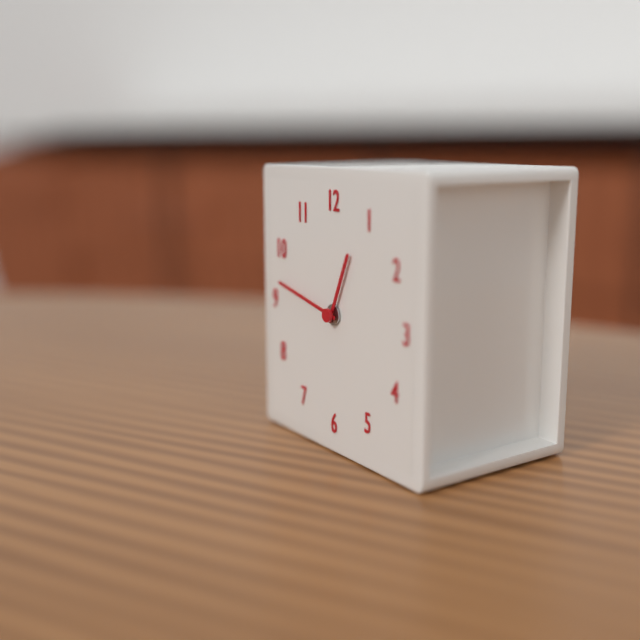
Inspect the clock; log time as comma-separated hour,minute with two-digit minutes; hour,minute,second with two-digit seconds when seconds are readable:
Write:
12,47
